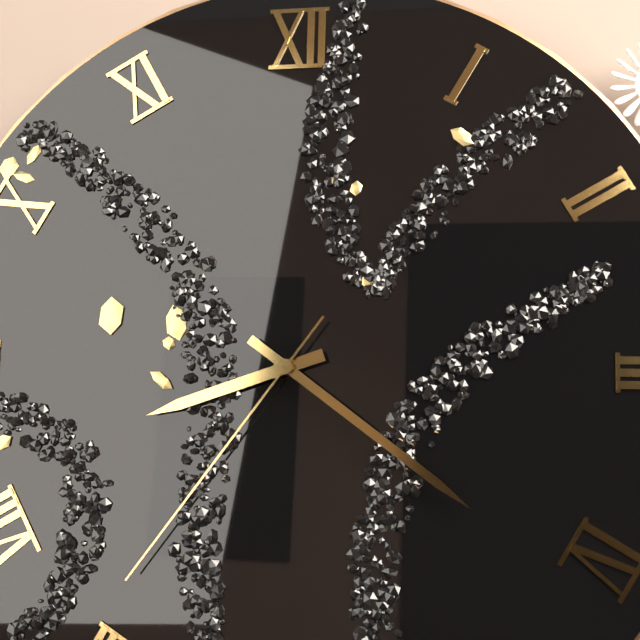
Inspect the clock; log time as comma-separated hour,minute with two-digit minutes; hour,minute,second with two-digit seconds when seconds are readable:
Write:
8,21,36
